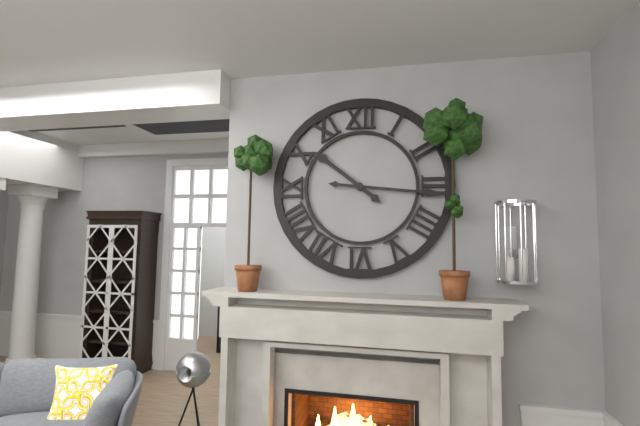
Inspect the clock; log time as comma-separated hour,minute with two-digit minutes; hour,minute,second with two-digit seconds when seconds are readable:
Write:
10,16
